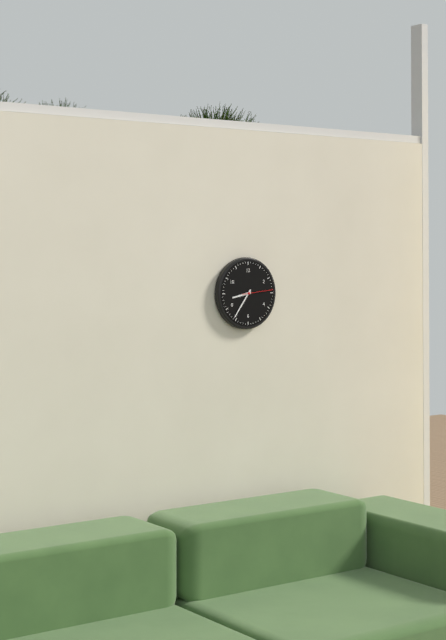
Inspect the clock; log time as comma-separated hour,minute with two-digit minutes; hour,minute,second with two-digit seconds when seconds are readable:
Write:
8,36
